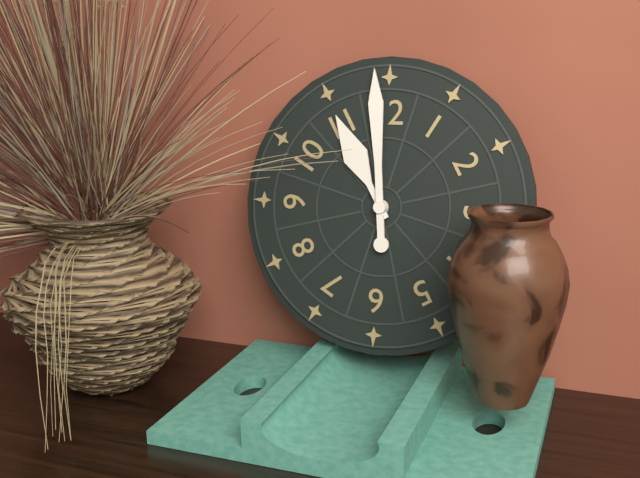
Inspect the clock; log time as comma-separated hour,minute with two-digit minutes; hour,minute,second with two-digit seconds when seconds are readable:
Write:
10,59
